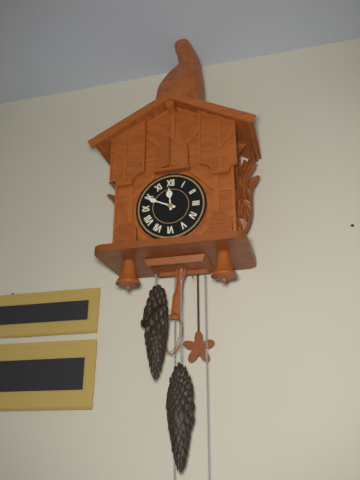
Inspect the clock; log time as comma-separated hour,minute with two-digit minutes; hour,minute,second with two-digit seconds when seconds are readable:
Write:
11,49
